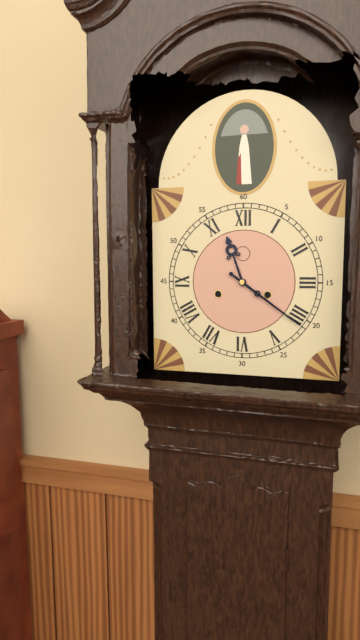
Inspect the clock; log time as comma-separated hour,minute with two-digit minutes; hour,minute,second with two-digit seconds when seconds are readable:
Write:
11,21
